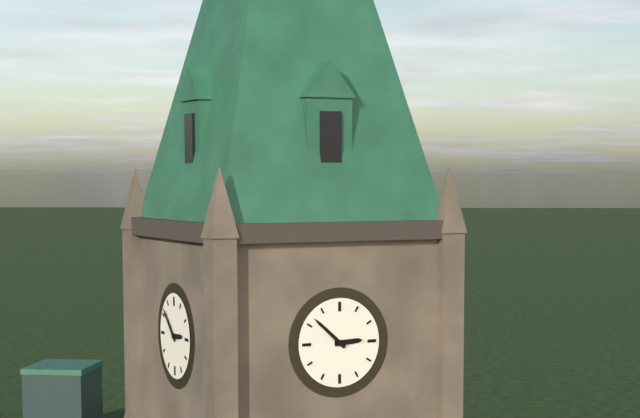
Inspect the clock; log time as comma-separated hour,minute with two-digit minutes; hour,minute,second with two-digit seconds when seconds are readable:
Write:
2,52
